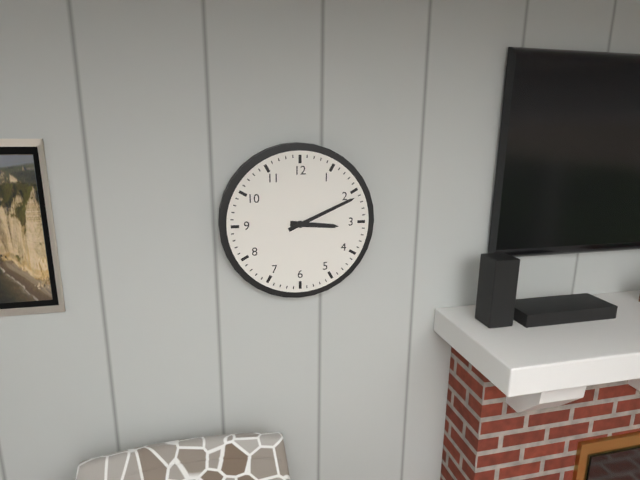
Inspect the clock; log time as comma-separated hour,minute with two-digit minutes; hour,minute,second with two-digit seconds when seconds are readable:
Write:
3,11
